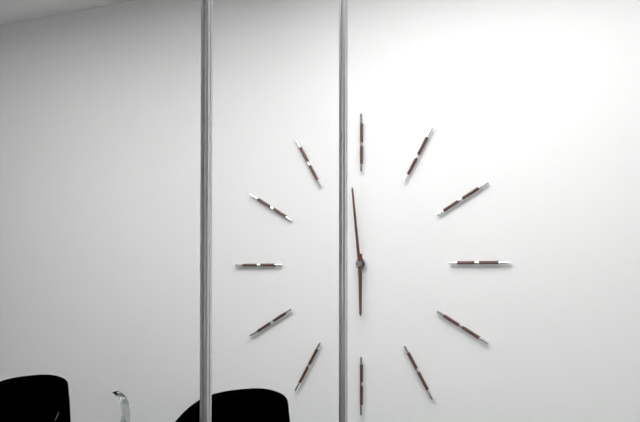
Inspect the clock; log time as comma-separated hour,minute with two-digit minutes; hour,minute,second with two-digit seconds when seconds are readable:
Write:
5,59
